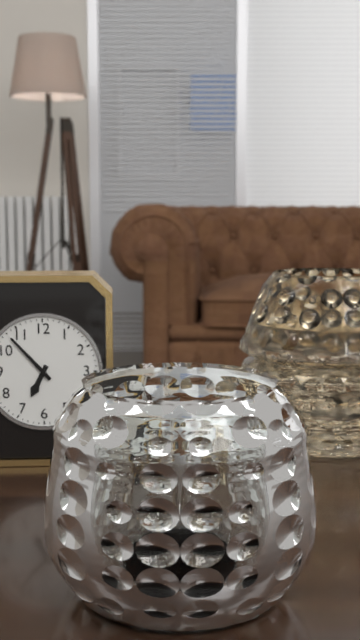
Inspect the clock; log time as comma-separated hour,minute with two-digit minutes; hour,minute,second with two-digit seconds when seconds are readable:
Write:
6,53
